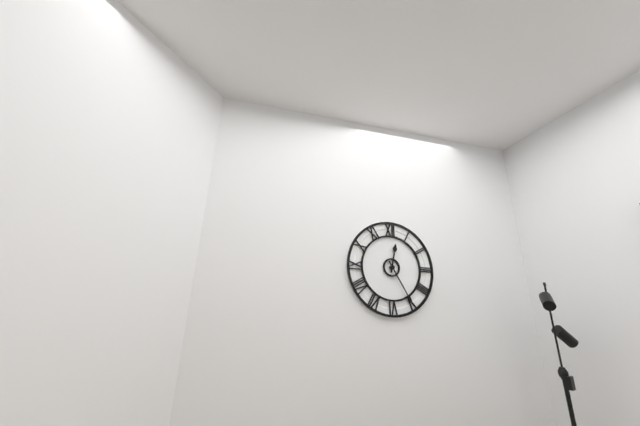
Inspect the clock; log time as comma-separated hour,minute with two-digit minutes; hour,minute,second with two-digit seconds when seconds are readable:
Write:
12,25
